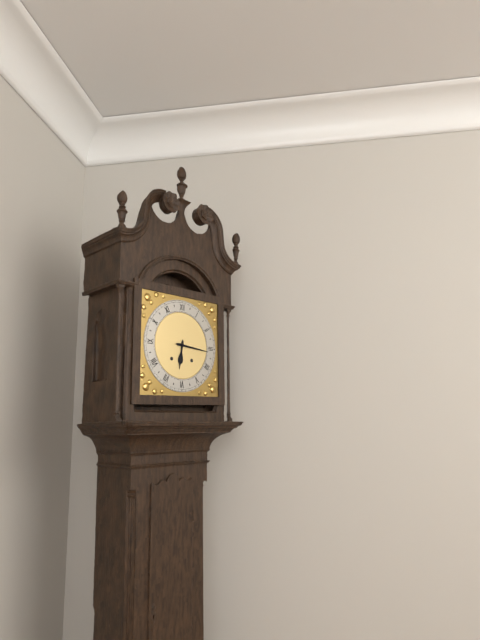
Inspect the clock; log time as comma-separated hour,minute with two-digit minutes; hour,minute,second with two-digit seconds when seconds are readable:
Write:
6,16
